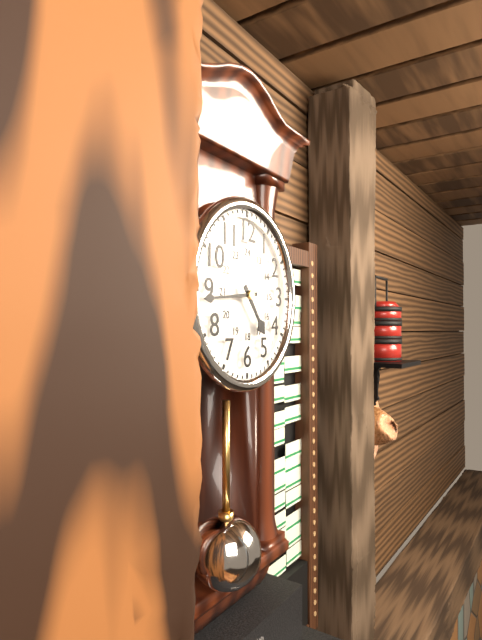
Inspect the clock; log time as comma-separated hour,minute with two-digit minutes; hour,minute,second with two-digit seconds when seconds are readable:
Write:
4,44
